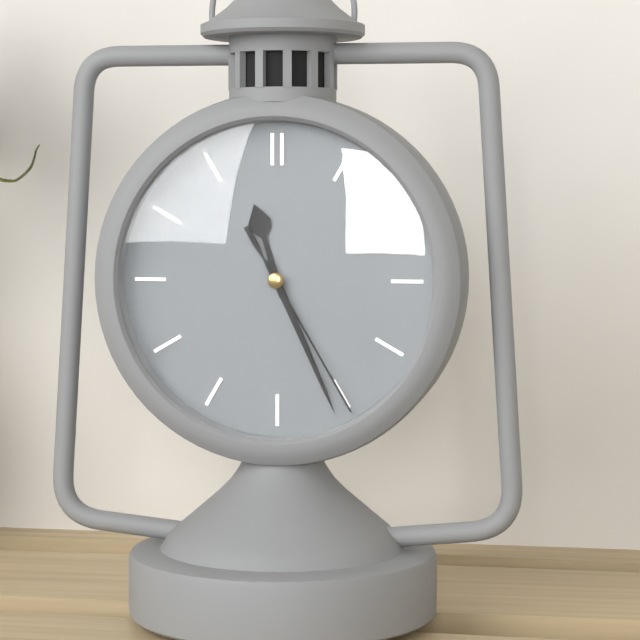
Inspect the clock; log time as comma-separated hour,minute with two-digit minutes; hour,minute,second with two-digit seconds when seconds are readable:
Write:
11,26,25
